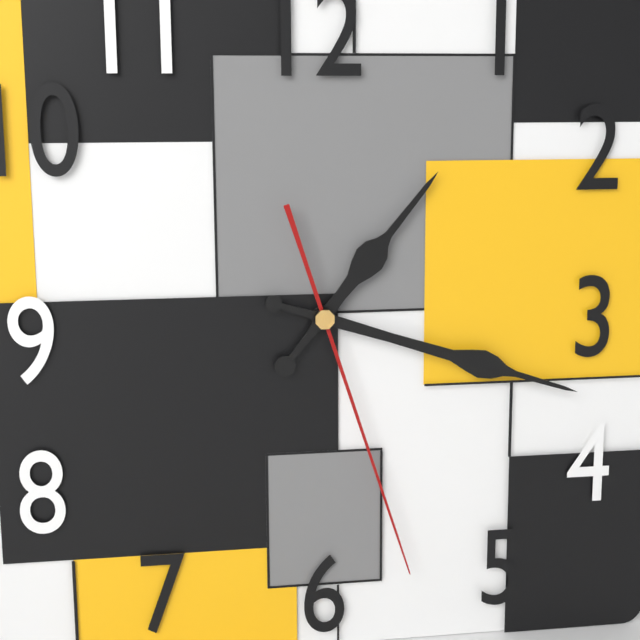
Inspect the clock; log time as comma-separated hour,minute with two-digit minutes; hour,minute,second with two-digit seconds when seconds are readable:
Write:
1,18,27
